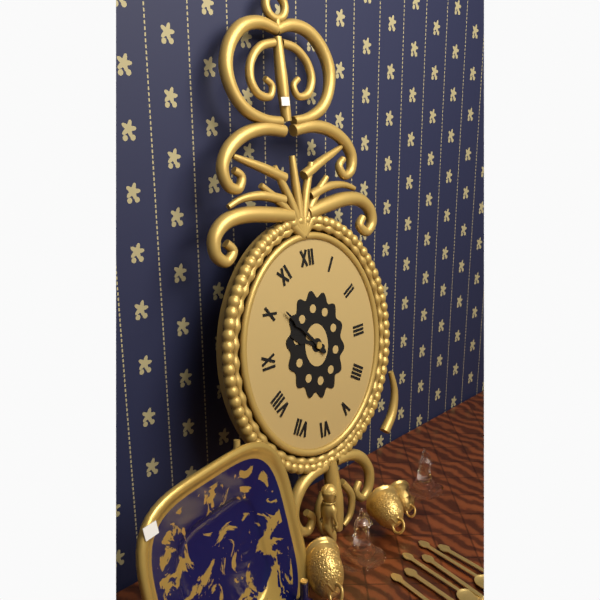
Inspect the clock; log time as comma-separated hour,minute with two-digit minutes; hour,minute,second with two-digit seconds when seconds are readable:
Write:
9,53
